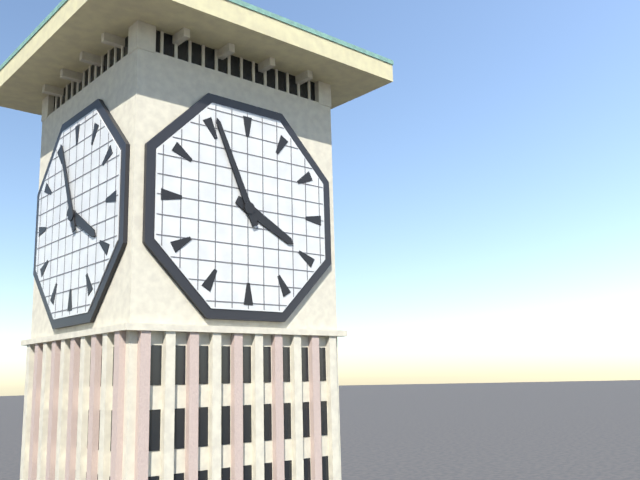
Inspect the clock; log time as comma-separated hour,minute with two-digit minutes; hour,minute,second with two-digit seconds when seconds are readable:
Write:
3,56
